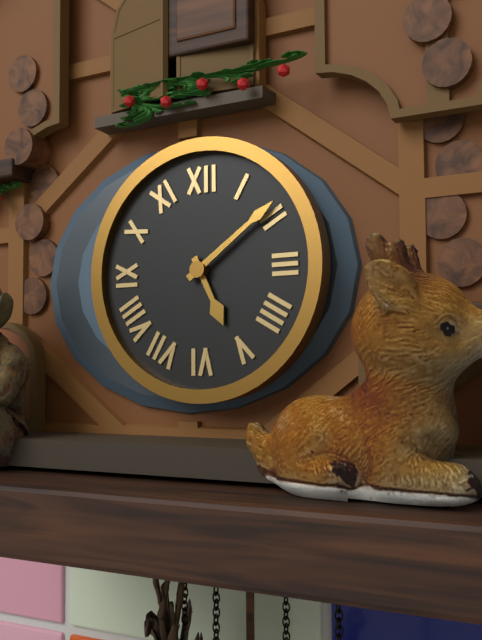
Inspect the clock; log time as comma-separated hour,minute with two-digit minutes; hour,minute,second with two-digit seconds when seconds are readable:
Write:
5,09
